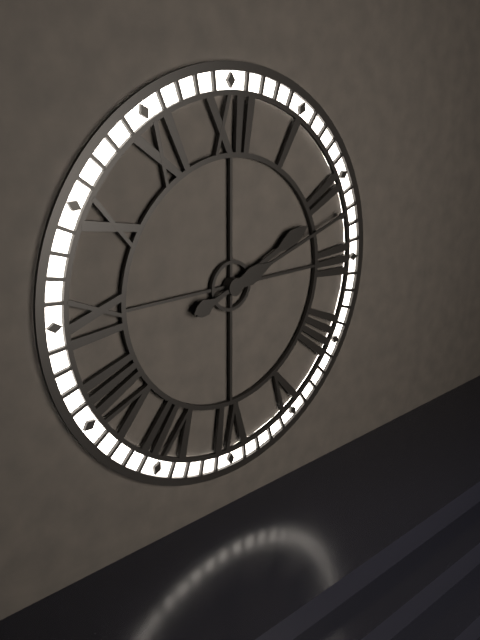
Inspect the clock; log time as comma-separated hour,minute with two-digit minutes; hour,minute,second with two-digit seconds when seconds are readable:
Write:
2,12
